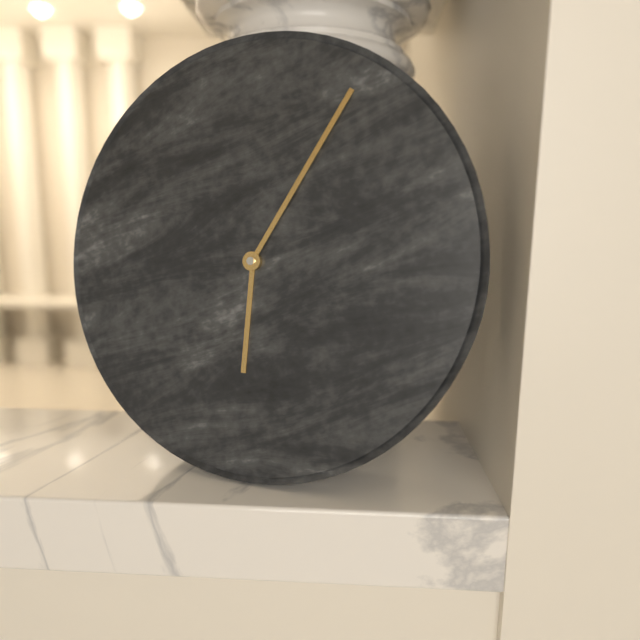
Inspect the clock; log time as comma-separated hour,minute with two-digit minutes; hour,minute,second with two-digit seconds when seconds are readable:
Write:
6,05
